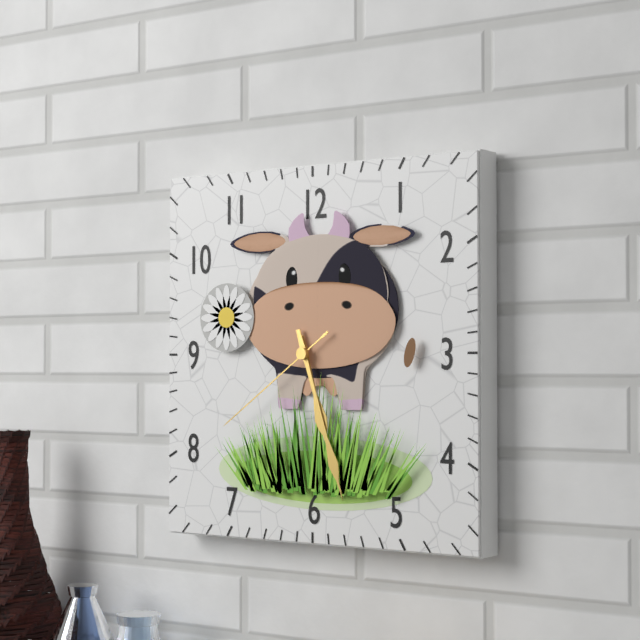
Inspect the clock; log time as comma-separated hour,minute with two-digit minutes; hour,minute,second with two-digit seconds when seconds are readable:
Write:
5,27,39
